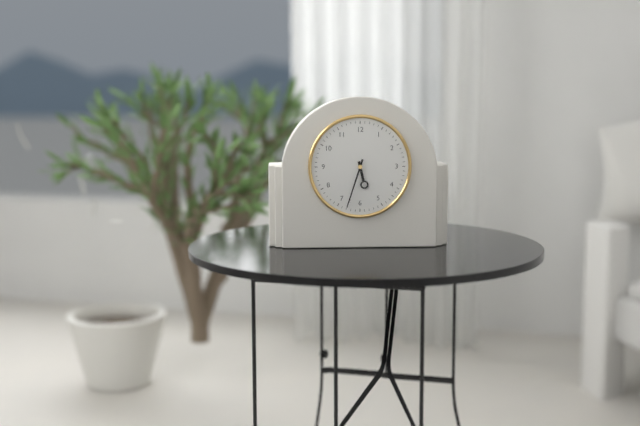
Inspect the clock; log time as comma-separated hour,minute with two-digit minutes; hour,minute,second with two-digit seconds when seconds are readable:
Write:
5,33
